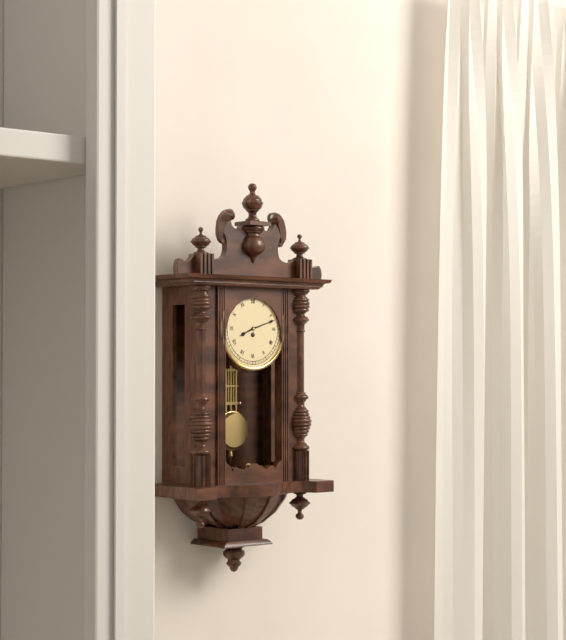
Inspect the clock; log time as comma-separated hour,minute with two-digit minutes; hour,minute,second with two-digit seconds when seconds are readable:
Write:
8,12
